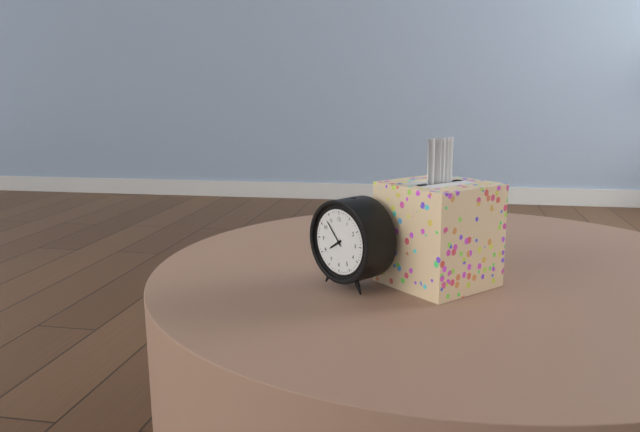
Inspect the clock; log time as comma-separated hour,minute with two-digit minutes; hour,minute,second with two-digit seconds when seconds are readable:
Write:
7,53
